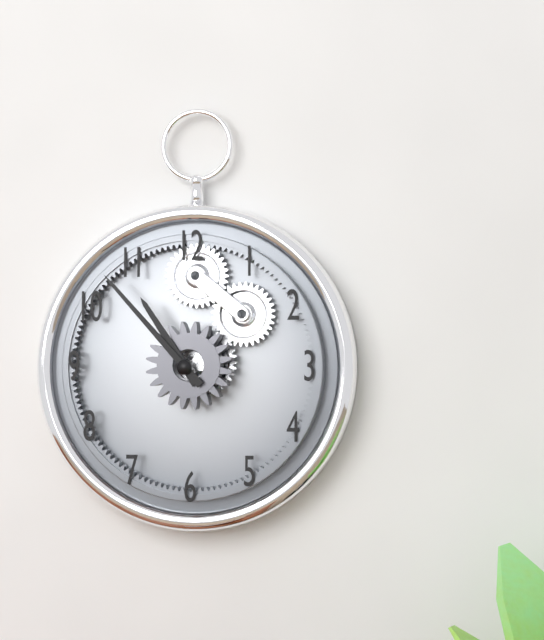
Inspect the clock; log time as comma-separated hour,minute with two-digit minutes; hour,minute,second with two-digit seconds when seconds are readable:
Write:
10,53
